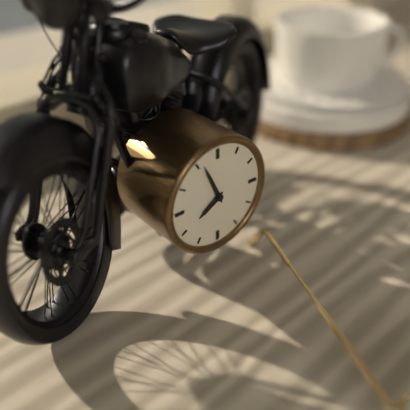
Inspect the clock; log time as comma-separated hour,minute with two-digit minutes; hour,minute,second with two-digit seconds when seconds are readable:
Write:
7,56
